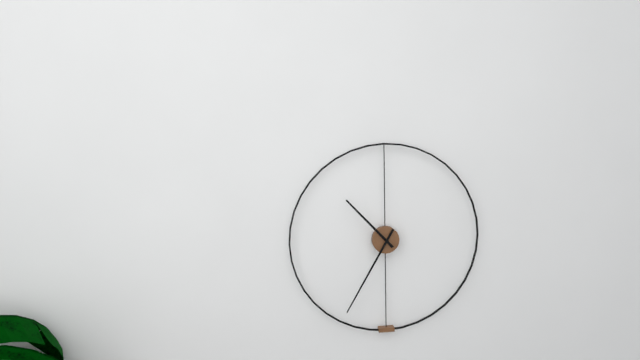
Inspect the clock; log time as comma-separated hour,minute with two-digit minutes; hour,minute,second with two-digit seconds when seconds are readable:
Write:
10,35
